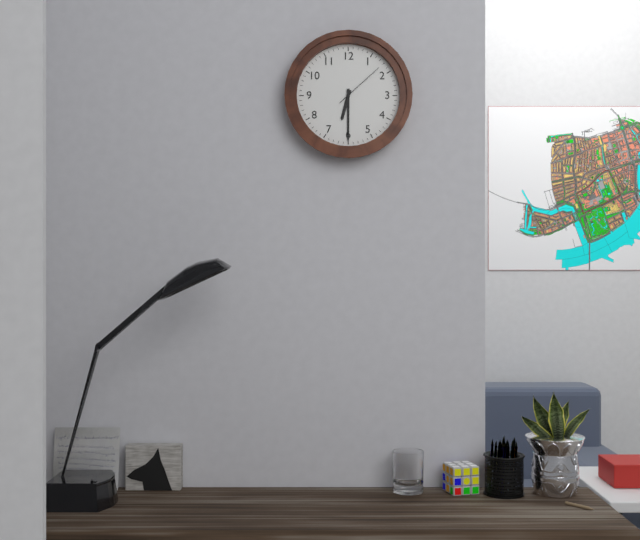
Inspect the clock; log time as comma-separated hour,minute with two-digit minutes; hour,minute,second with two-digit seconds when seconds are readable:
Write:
6,30,08
